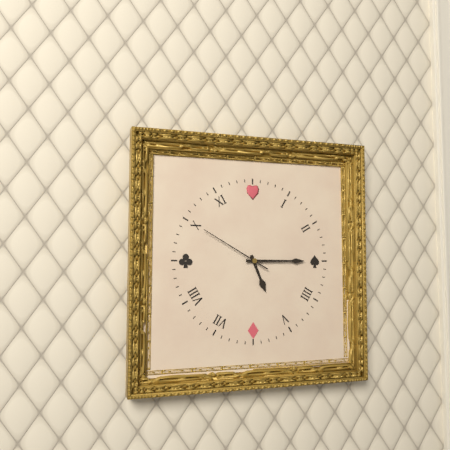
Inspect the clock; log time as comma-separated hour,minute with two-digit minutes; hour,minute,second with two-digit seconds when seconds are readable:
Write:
5,15,50
